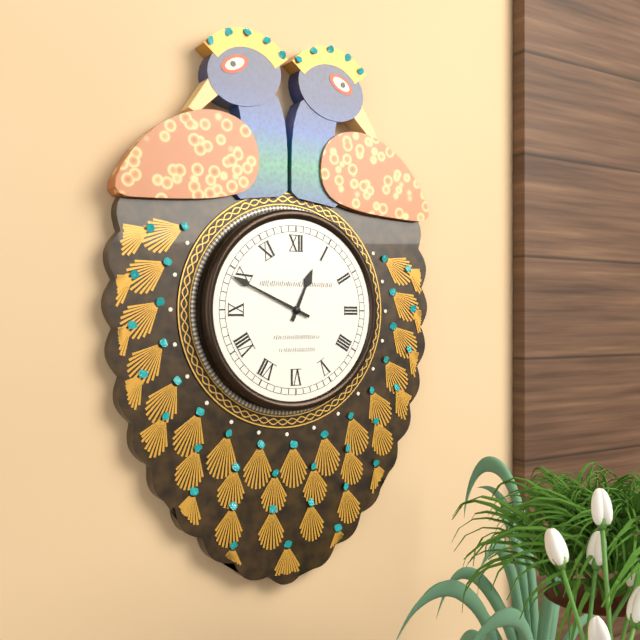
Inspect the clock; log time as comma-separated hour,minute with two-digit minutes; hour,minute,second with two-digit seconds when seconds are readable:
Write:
12,49
